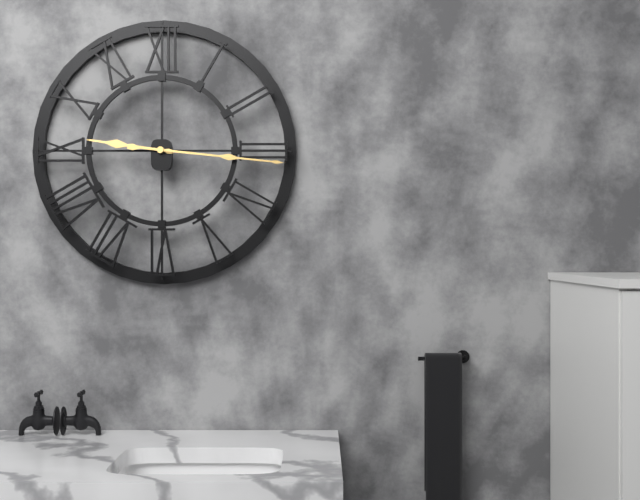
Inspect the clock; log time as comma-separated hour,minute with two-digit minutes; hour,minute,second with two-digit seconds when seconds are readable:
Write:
9,16
